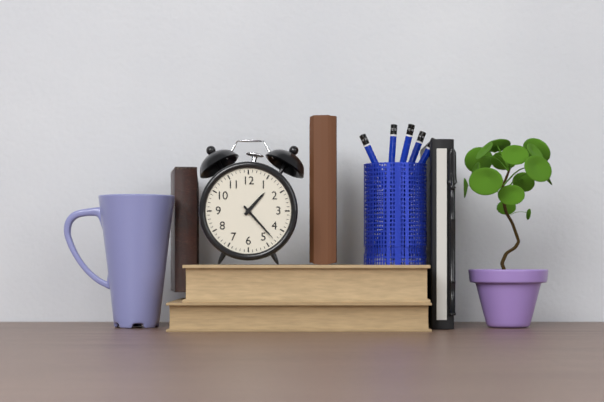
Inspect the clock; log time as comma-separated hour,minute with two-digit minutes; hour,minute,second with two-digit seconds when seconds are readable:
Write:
1,23
